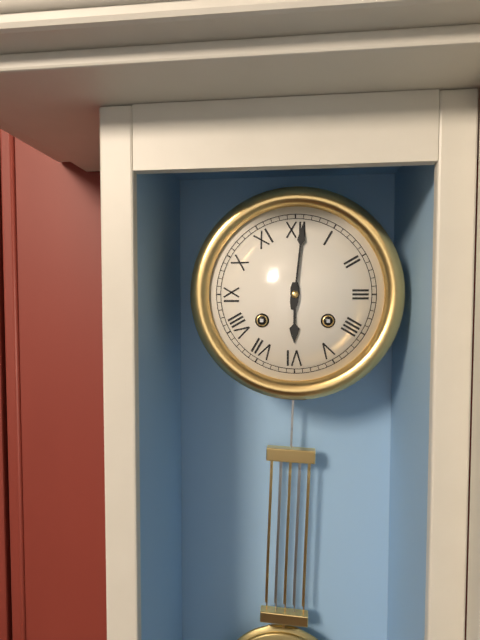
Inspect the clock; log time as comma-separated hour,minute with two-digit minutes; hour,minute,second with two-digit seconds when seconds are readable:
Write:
6,01
